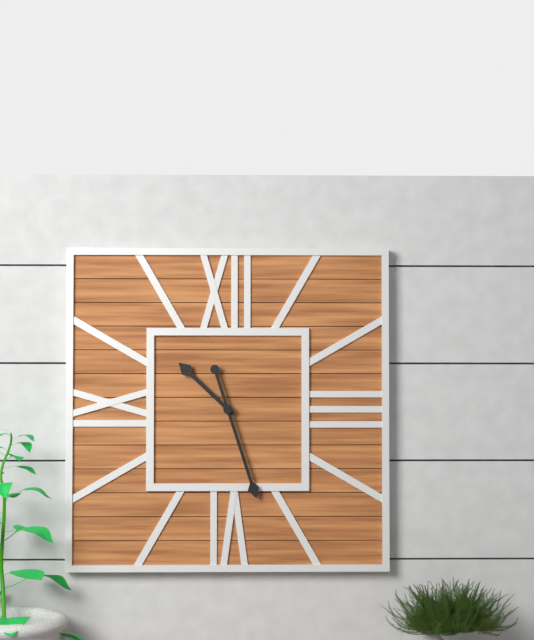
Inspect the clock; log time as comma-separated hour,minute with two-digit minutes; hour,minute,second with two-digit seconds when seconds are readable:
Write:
10,27
